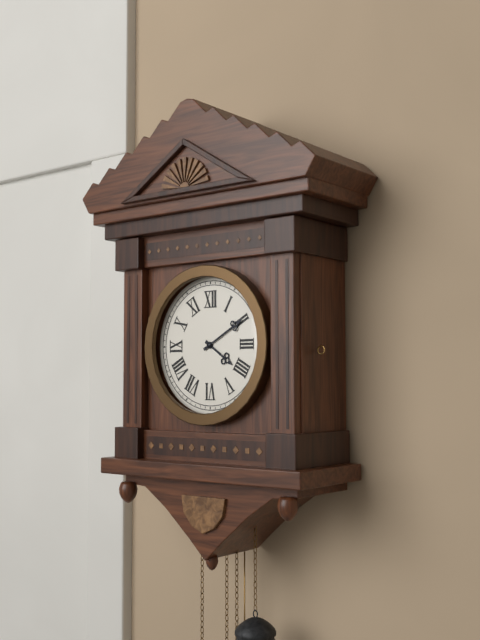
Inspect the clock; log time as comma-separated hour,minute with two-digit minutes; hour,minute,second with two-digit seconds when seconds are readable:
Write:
4,10
